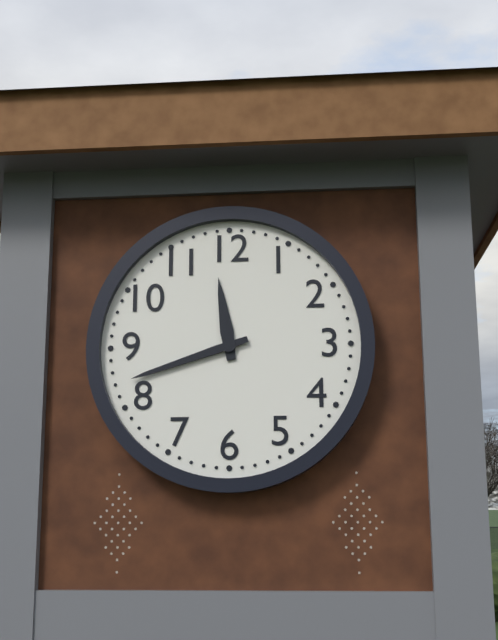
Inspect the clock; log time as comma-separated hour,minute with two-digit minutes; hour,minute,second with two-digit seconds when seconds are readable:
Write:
11,42
